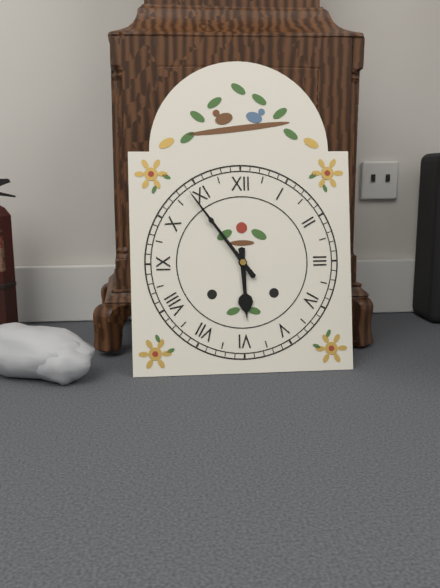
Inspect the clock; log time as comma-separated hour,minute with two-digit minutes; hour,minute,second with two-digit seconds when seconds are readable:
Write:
5,54
